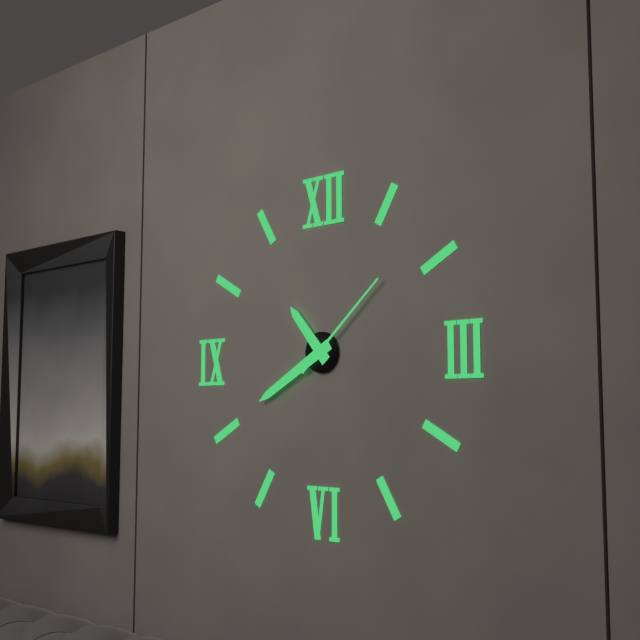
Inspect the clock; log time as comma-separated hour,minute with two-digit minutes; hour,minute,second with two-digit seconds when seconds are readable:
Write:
10,40,08
